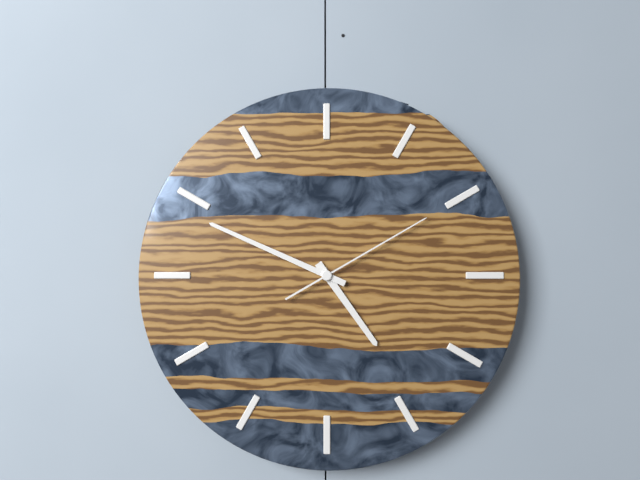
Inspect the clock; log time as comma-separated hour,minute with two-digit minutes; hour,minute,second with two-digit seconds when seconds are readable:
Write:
4,49,10
